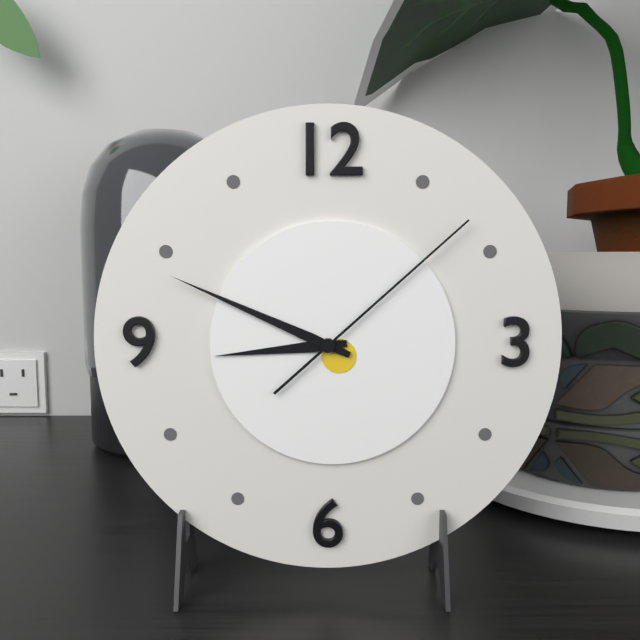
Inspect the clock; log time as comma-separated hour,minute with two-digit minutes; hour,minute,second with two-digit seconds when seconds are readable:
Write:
8,49,08
